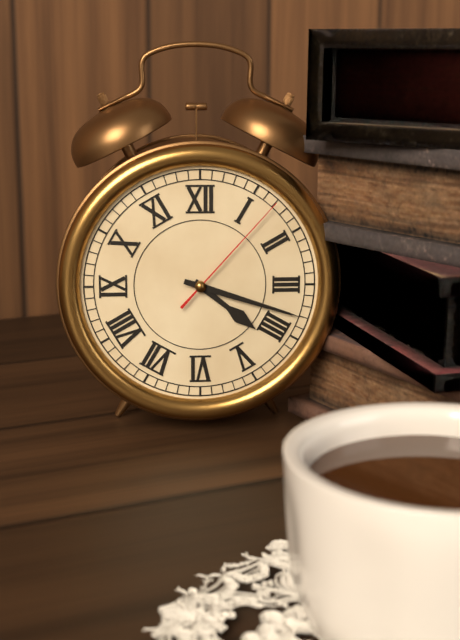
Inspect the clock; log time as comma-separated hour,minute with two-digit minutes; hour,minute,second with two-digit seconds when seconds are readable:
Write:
4,18,07
